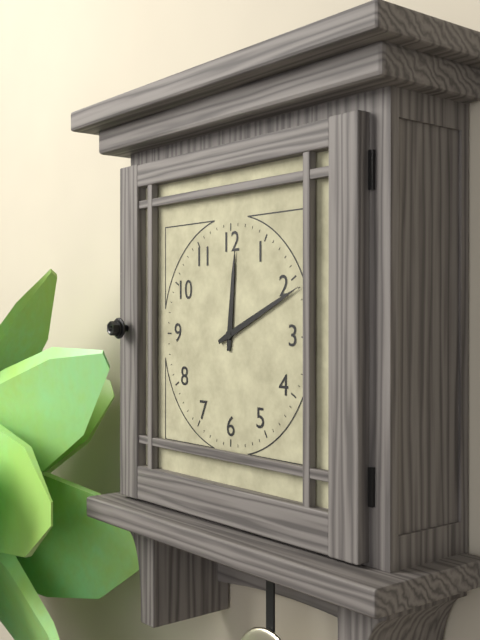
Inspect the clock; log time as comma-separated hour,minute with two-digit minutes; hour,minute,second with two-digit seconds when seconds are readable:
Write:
12,11
